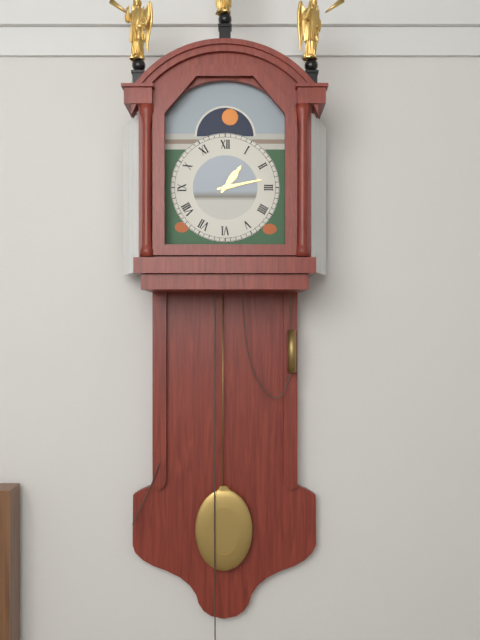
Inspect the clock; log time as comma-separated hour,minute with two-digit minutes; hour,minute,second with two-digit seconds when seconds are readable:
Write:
1,13
